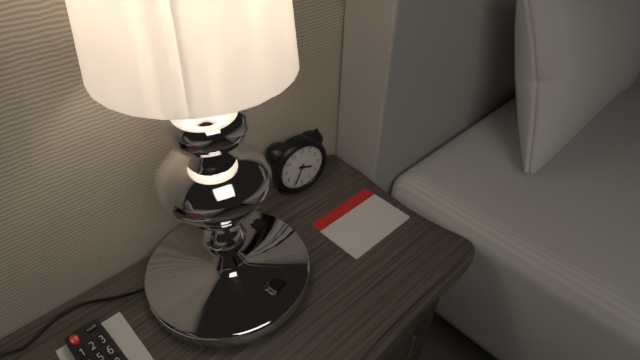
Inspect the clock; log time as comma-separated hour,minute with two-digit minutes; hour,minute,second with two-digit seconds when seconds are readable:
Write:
3,34
